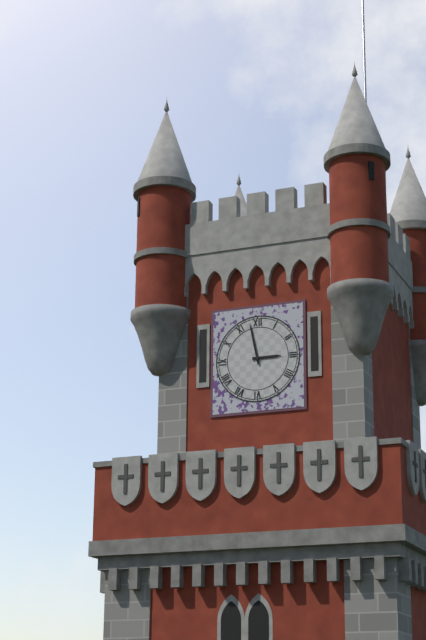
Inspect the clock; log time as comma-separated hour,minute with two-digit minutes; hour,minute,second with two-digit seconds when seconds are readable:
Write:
2,58
